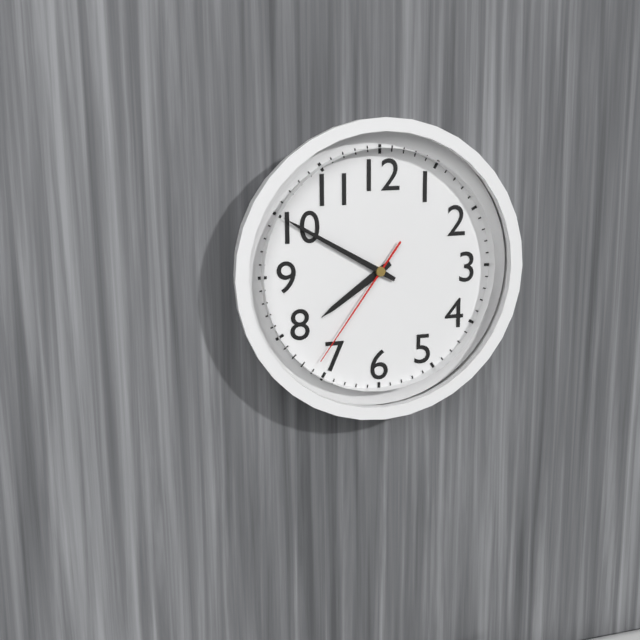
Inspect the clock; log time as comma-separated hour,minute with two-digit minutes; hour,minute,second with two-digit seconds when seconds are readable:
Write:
7,50,36
